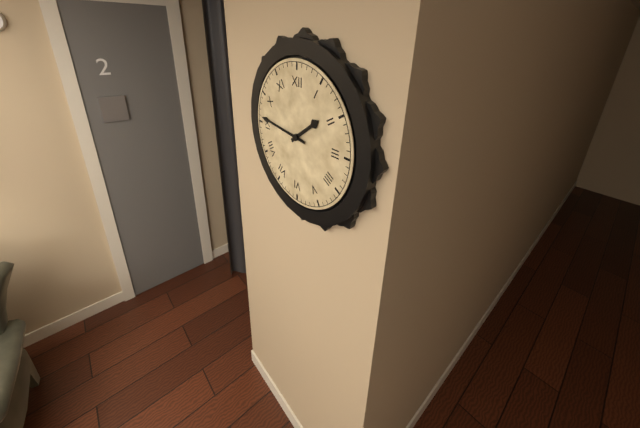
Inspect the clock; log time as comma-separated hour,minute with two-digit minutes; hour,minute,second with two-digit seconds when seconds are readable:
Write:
1,46
